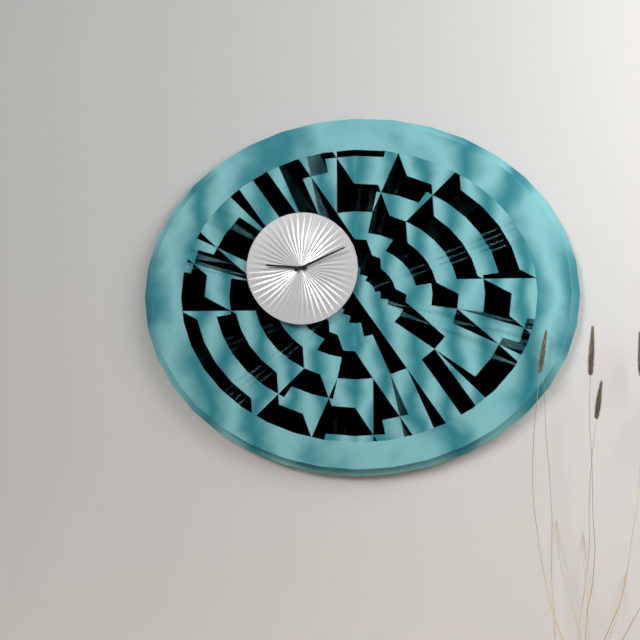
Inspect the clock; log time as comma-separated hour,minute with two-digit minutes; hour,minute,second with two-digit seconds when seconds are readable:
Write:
9,11
